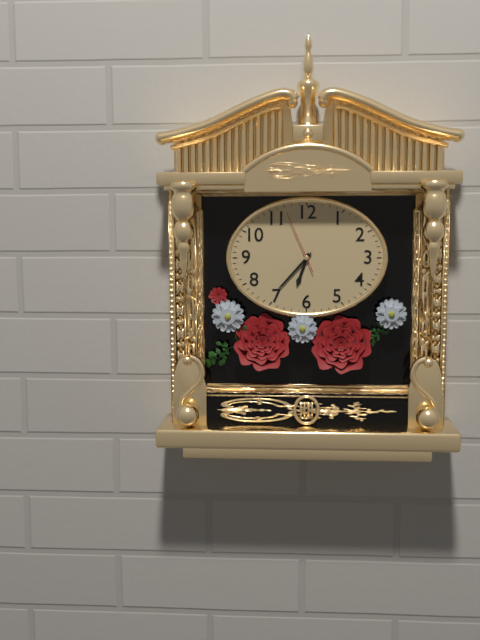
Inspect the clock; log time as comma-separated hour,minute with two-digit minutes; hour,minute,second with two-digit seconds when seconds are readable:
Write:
6,37,56
